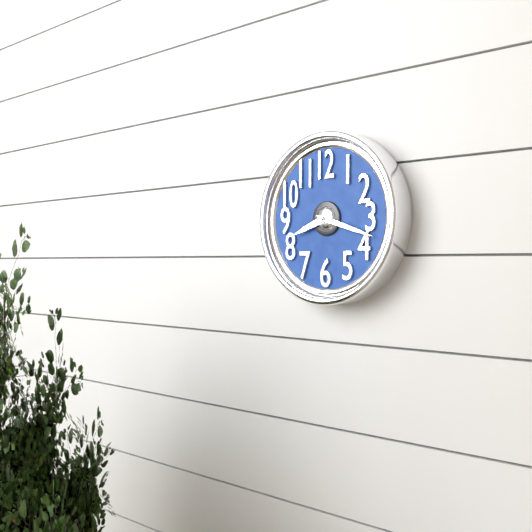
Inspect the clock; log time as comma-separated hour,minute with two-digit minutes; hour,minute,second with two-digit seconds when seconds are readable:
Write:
8,18
